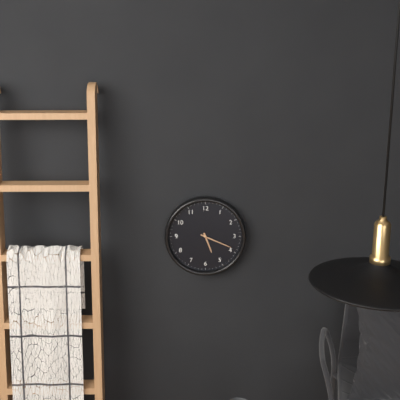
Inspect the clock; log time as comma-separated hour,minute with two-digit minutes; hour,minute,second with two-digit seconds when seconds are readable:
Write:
5,19
